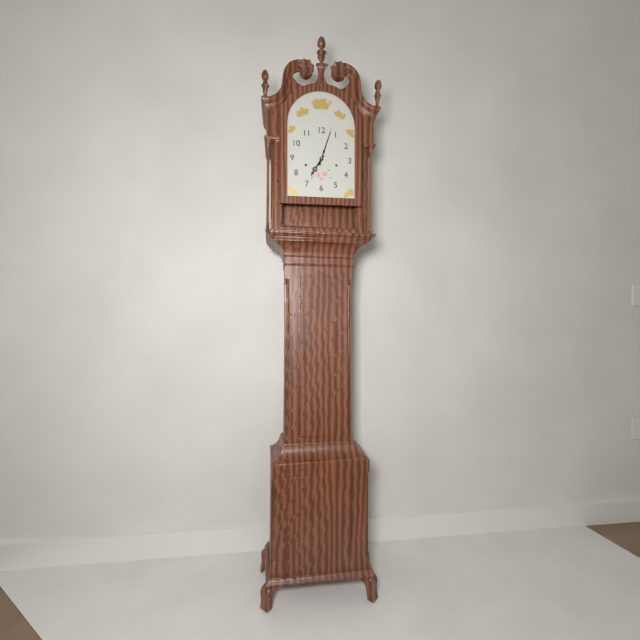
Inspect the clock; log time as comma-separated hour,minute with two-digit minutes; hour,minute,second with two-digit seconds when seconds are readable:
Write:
7,03
